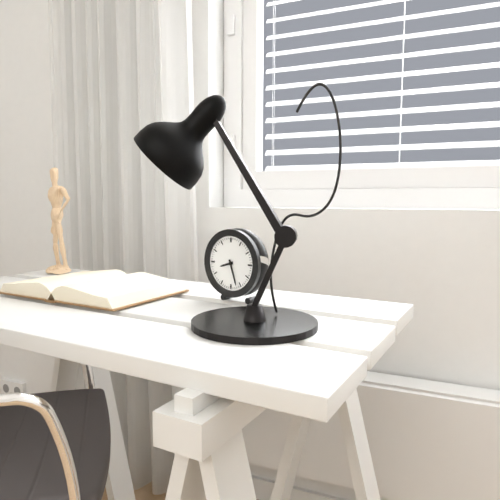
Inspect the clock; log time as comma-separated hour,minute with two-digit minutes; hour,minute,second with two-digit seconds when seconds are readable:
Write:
8,27
